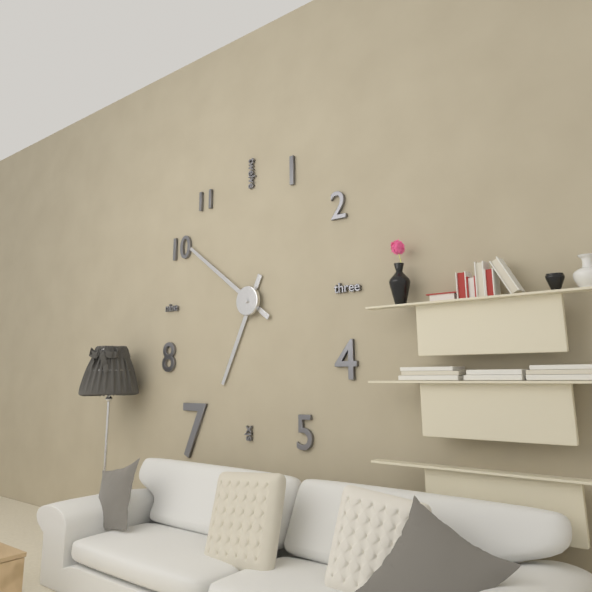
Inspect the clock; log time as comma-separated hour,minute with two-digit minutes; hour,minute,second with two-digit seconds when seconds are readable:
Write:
6,51
